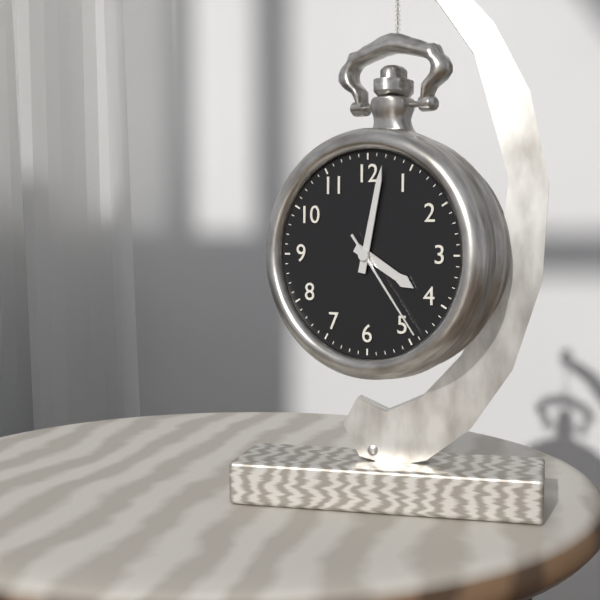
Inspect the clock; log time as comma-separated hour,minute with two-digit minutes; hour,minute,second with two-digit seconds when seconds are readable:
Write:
4,02,24
